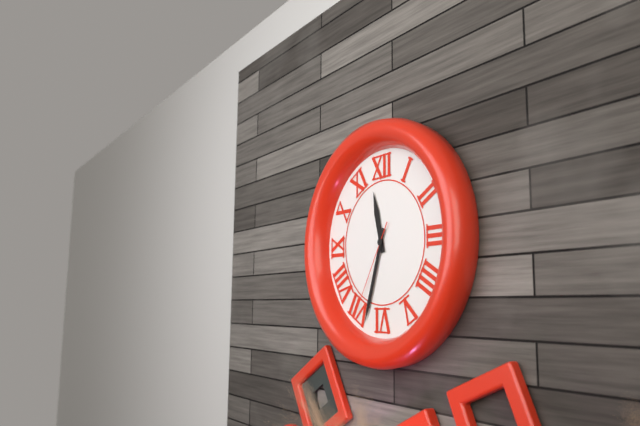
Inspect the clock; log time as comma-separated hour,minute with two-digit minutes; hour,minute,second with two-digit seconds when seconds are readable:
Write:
11,33,35
